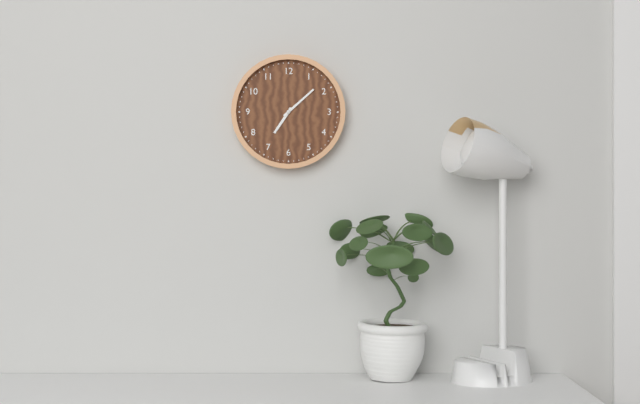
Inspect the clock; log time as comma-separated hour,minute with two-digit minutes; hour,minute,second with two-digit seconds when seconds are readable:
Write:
7,08
